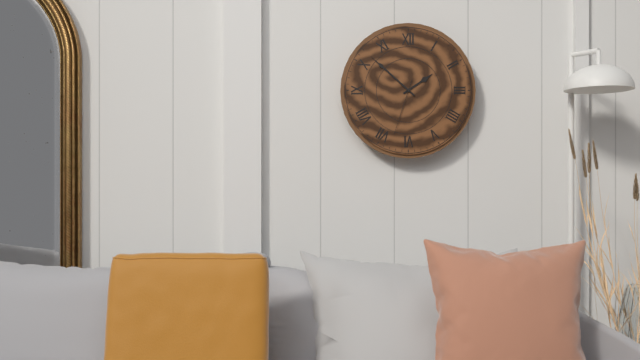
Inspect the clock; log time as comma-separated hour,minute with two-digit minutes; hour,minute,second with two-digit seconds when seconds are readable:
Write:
1,52,33
